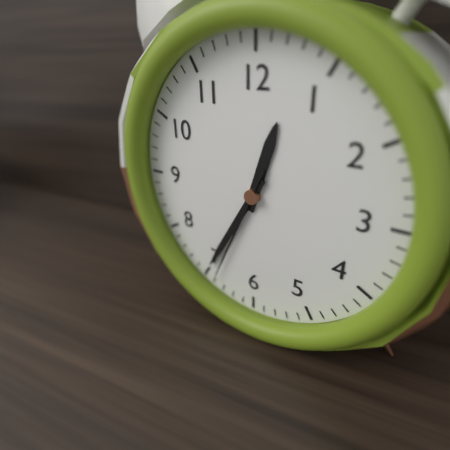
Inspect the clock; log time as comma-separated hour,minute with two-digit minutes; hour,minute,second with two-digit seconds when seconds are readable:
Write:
12,35,34
